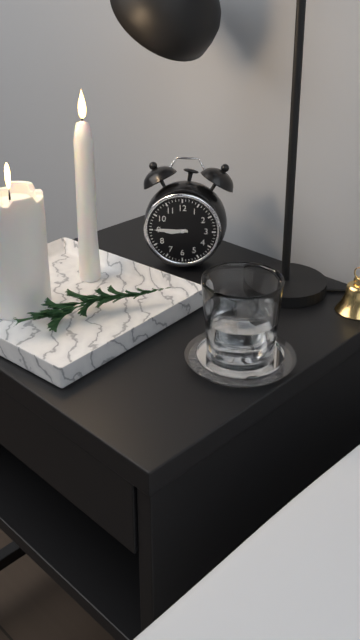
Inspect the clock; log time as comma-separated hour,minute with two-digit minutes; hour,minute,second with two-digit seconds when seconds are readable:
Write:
8,45
